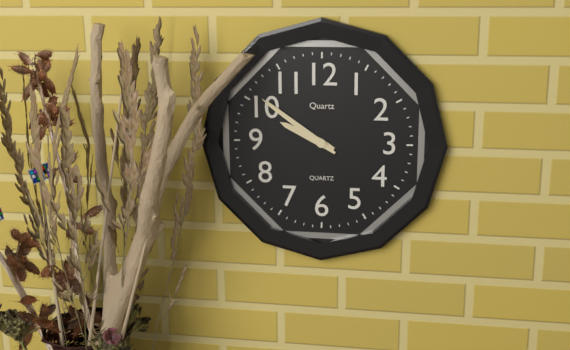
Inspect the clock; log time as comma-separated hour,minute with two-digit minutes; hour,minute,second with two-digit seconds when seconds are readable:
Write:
9,51
